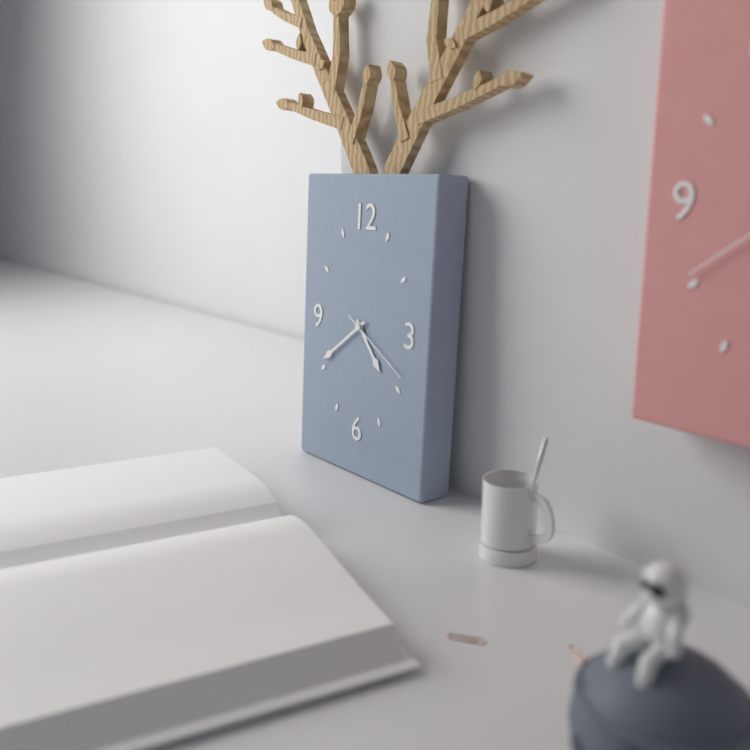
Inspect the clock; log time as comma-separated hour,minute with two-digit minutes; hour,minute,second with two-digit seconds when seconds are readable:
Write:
4,39,20
